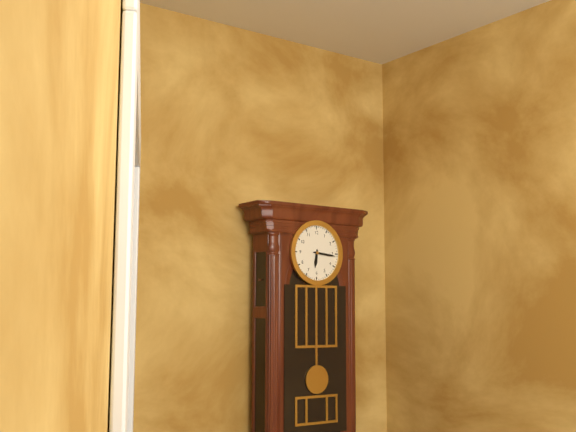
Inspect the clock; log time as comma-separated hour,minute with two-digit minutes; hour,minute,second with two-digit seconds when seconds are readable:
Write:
6,16
